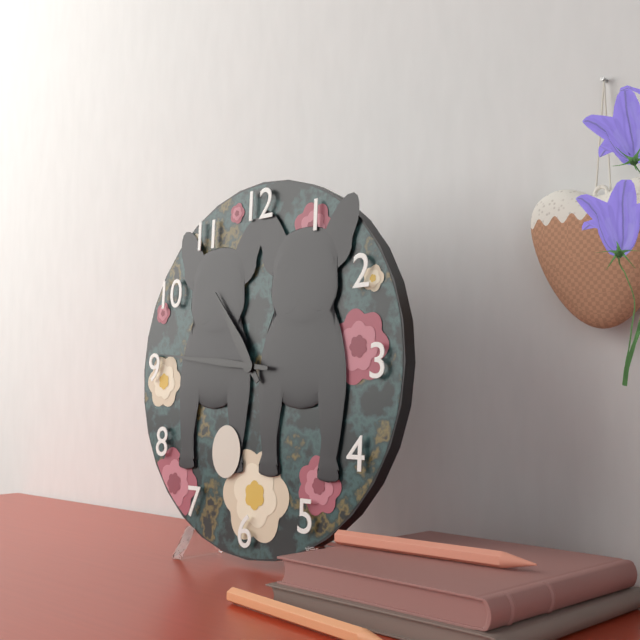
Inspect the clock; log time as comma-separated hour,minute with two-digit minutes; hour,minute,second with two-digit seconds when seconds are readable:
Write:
10,46
